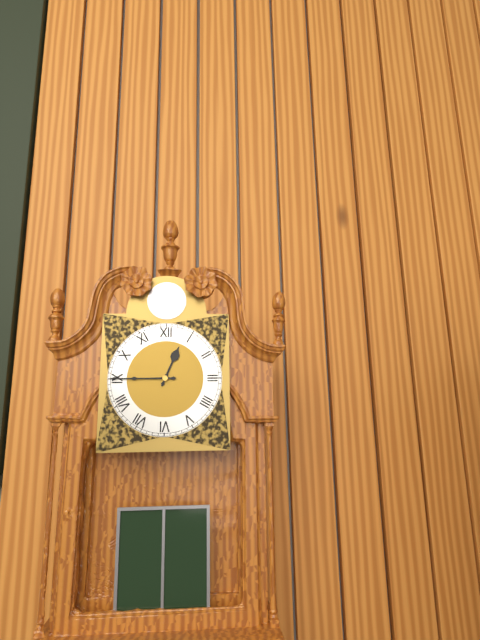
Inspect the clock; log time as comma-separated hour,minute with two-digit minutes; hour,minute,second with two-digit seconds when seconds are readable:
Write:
12,45
